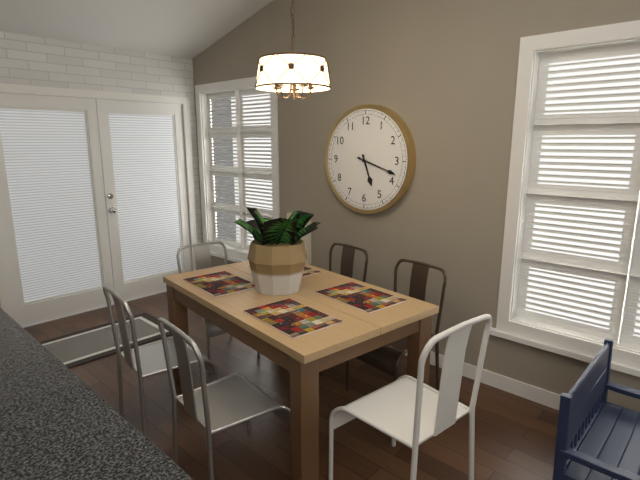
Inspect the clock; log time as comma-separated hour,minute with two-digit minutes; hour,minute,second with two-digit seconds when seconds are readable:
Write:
5,18
